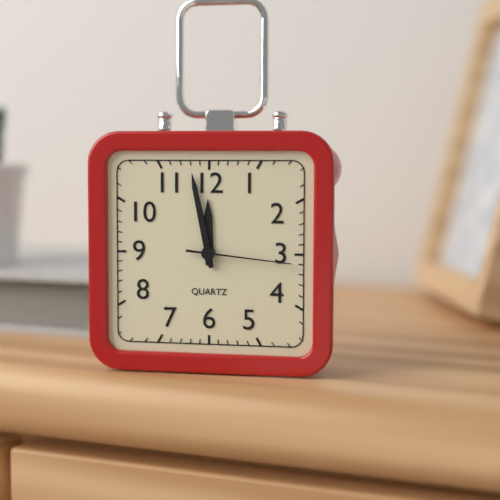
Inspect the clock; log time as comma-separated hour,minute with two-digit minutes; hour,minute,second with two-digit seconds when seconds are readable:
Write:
11,58,16
